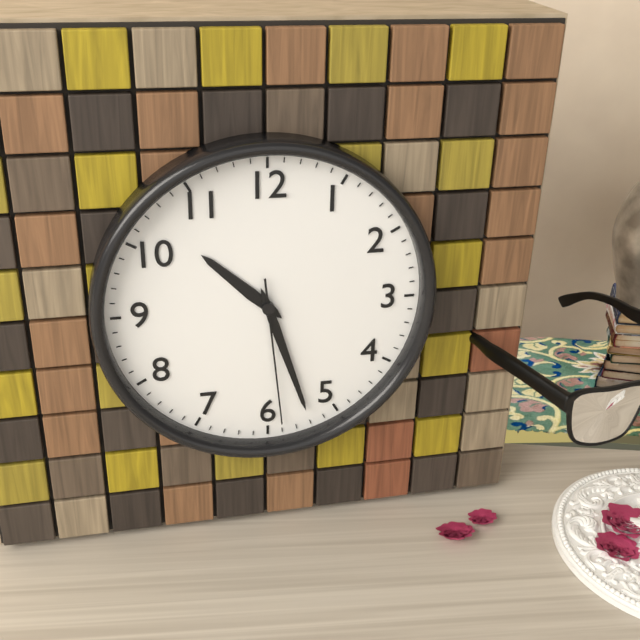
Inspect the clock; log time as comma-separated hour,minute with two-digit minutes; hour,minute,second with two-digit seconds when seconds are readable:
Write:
10,27,29
